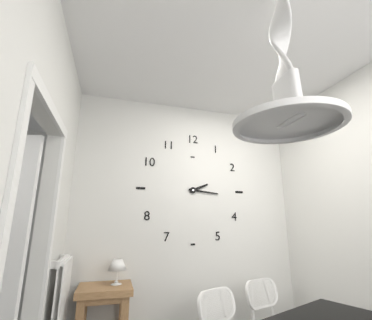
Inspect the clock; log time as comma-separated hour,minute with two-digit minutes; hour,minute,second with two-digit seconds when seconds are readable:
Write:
2,16
